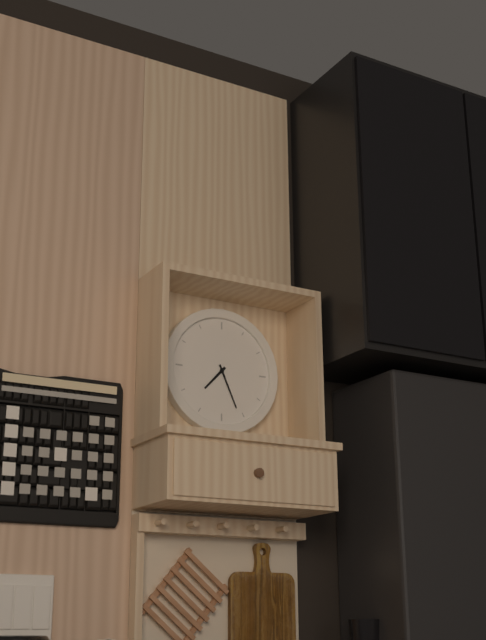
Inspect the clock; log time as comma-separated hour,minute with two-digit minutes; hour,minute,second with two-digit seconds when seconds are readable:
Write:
7,26
